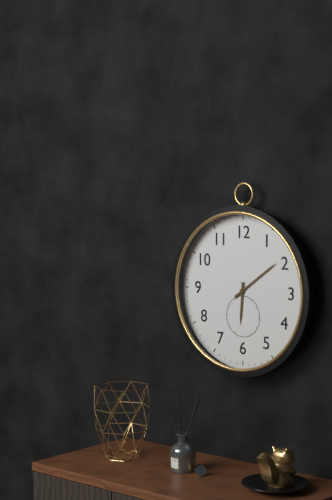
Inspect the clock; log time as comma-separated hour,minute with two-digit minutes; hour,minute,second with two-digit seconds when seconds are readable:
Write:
6,09
